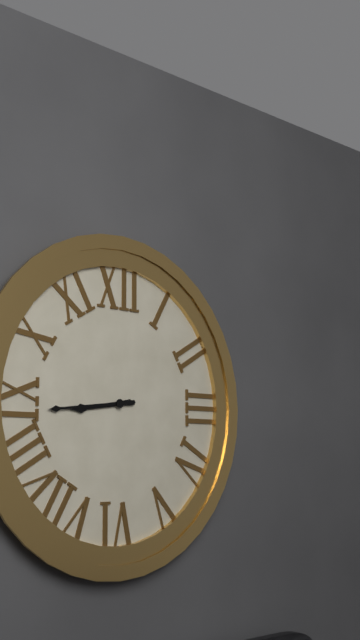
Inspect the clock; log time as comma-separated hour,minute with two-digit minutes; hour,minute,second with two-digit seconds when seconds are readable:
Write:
8,44
